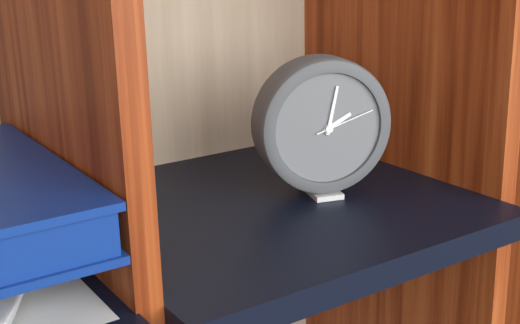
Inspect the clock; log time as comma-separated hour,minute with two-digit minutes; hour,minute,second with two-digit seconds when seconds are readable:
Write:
2,02,12
